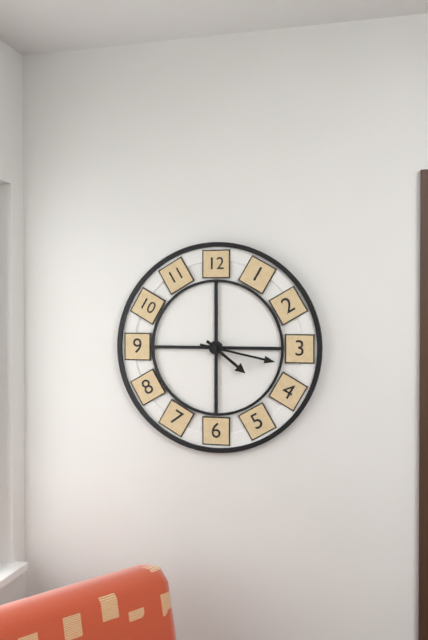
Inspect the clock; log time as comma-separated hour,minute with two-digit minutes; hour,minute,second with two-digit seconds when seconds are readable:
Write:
4,17
